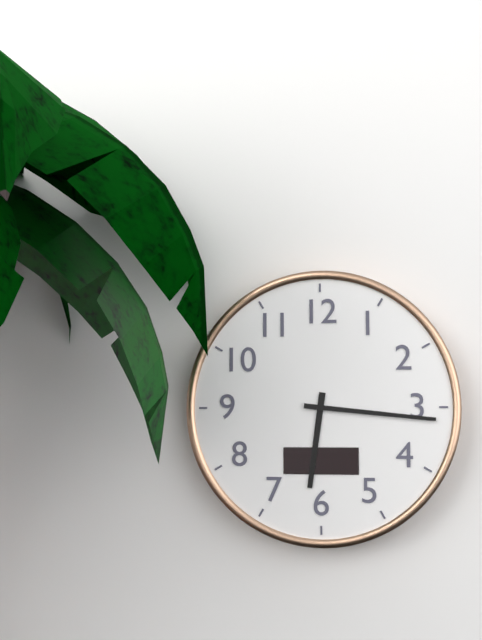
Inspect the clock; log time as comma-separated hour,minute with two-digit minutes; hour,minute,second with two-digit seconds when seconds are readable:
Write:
6,16
